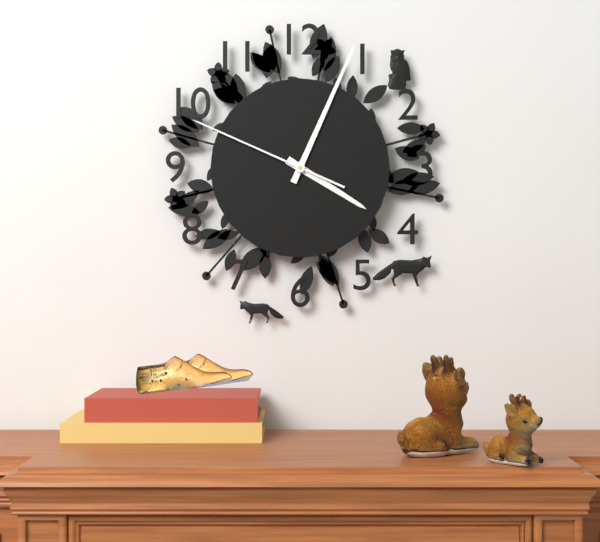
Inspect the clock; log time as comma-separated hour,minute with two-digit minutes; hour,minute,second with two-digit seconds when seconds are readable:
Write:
4,04,49
